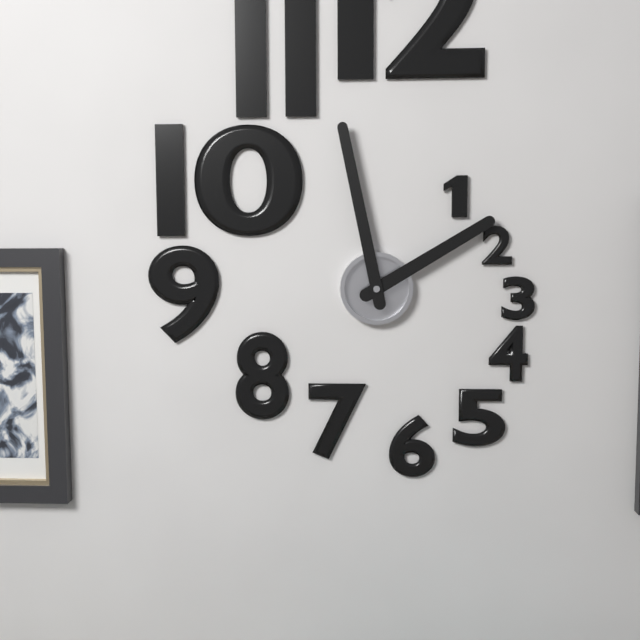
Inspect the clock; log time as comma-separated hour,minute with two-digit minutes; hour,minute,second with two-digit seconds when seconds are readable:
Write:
1,58
